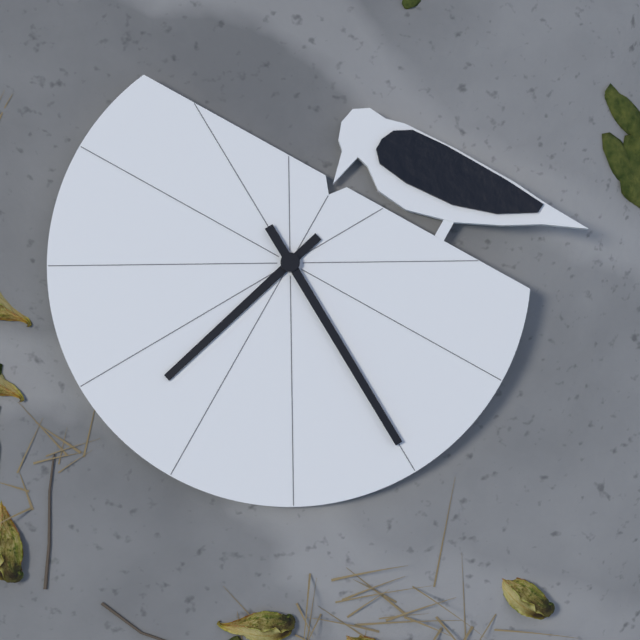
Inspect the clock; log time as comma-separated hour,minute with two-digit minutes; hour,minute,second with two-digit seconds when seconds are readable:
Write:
9,35
